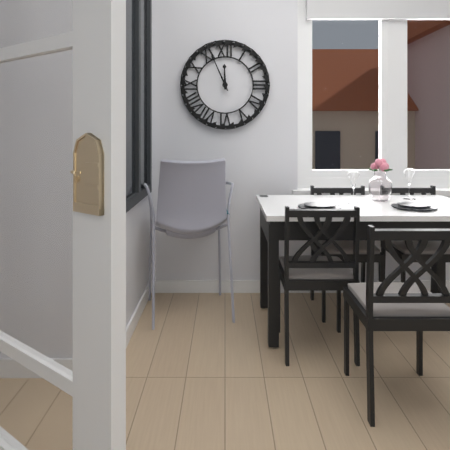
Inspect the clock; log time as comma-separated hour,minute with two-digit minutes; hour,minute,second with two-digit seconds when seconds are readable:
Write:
11,56
